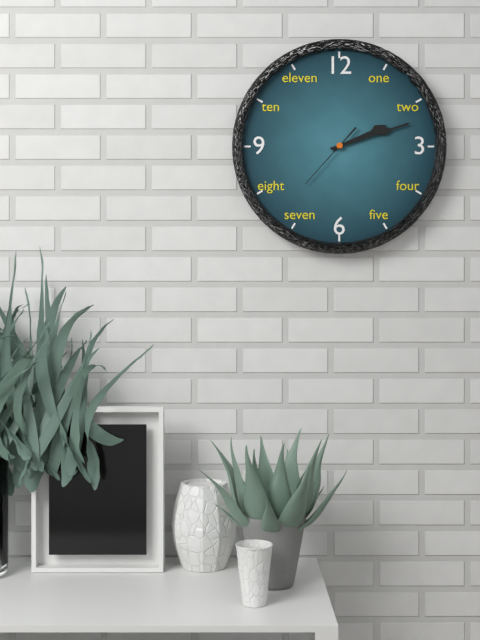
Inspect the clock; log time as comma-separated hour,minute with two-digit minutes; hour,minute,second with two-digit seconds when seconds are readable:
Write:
2,12,37
